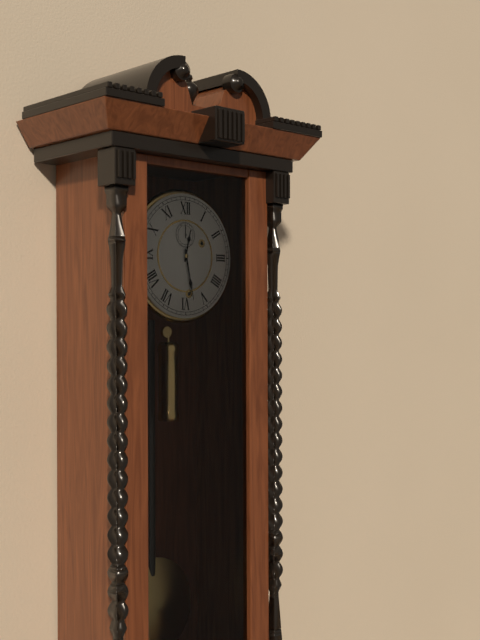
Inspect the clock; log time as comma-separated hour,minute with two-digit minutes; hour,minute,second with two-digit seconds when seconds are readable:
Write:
12,28
